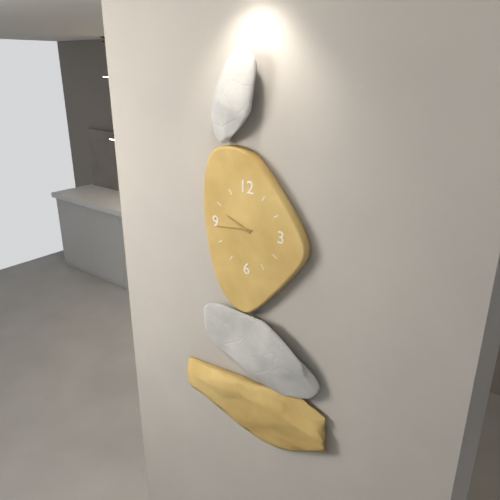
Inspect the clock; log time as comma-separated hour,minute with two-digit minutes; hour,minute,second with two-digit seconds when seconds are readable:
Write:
9,44
